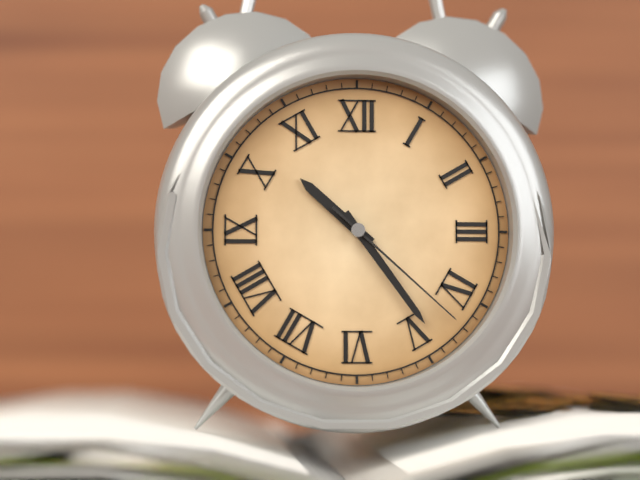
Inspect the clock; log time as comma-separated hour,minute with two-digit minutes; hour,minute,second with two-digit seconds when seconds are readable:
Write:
10,24,22
